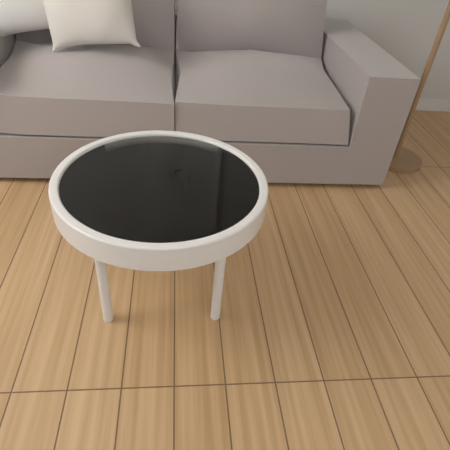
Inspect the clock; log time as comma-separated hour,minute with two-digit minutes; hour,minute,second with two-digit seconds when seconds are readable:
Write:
5,07
